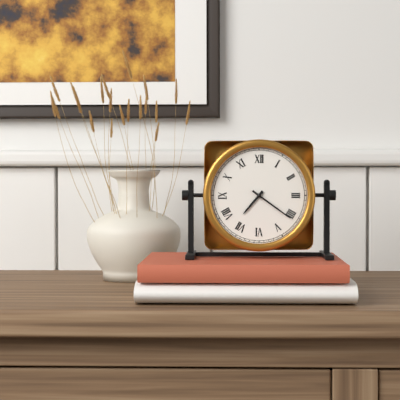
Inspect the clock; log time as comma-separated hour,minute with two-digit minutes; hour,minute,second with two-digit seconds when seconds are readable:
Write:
7,21
